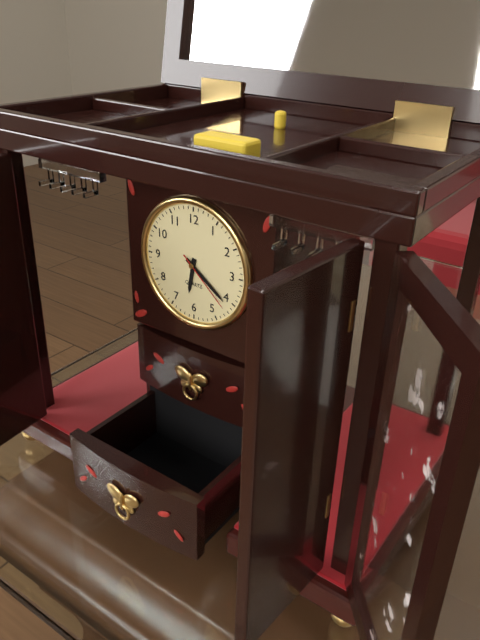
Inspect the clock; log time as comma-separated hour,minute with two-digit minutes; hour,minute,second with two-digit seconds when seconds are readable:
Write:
6,21,22
